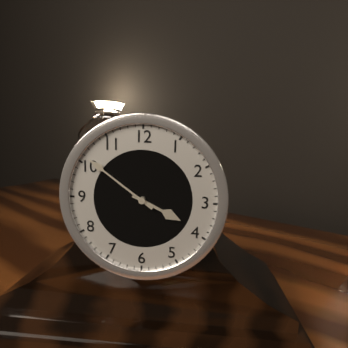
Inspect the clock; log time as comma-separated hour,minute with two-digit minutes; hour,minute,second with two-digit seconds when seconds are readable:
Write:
3,51
